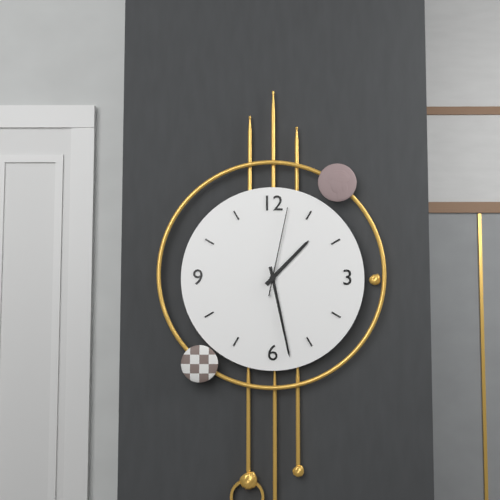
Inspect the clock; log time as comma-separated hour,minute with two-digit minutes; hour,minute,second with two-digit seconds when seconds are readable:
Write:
1,28,02
